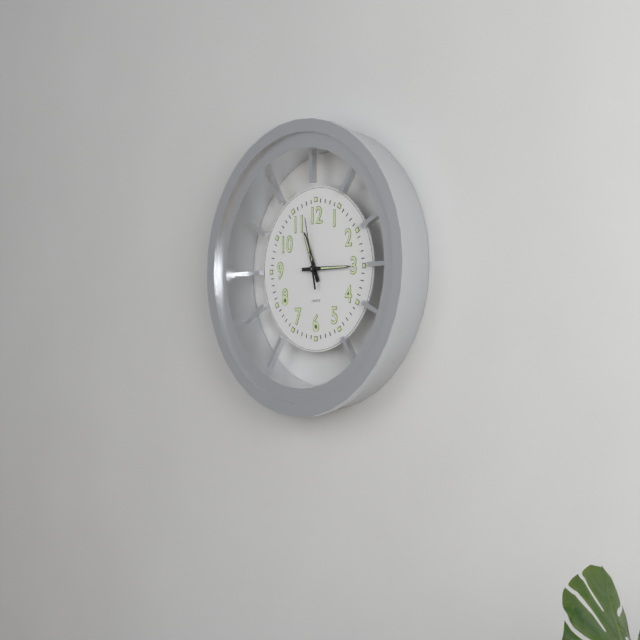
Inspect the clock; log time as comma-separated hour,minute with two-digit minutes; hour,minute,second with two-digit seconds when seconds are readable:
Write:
11,15,58
